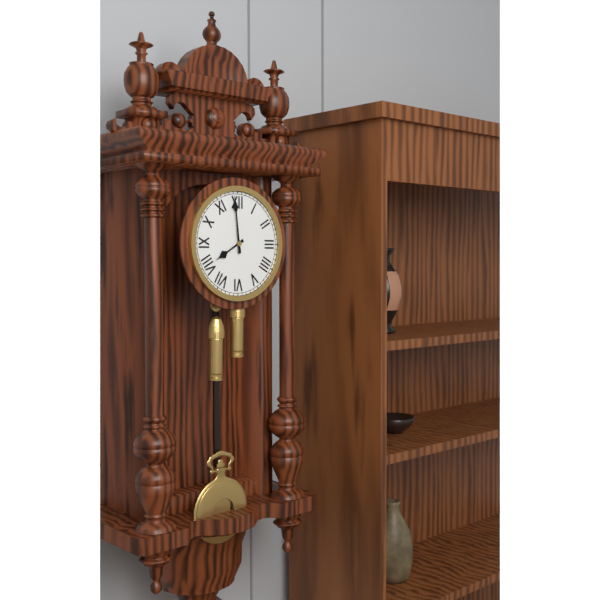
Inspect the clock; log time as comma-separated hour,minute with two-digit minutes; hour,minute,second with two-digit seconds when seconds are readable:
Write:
7,59
